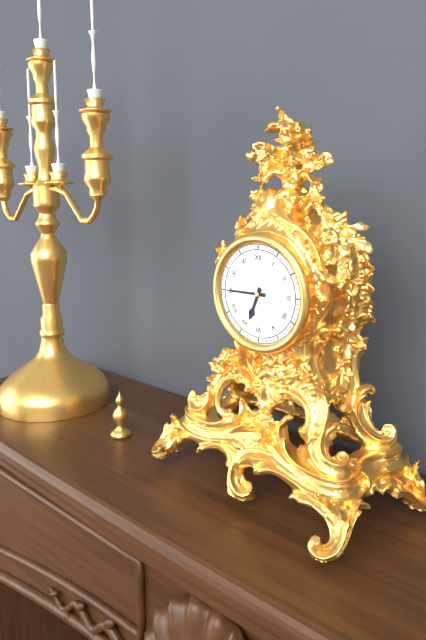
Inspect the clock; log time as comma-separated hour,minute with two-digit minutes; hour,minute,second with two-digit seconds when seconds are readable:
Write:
6,45
